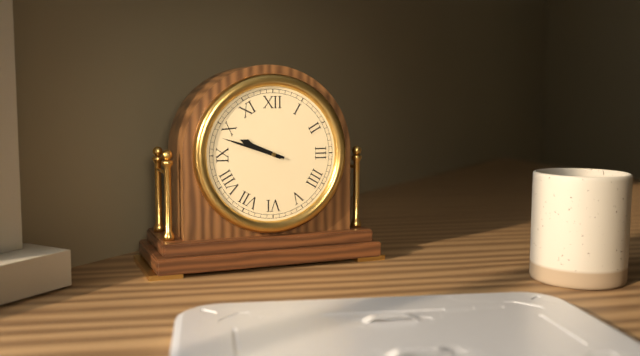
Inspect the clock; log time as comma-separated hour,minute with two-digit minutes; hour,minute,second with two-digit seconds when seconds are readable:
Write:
9,48
